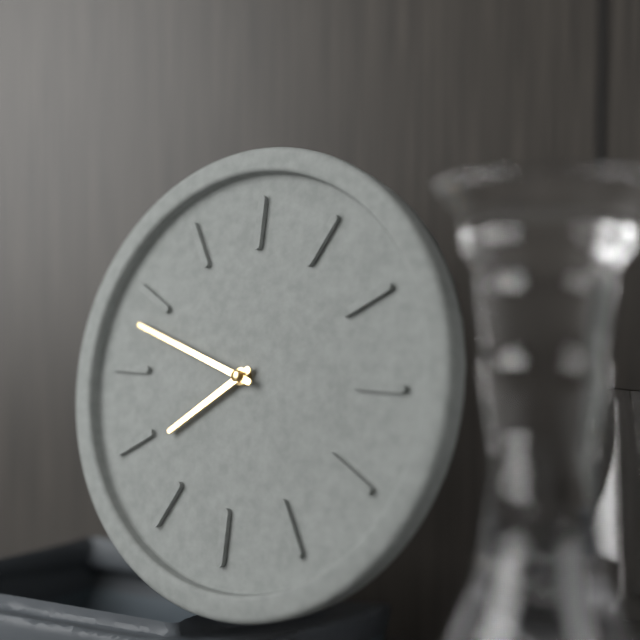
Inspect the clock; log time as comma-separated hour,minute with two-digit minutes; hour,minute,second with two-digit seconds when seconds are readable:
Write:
7,48
